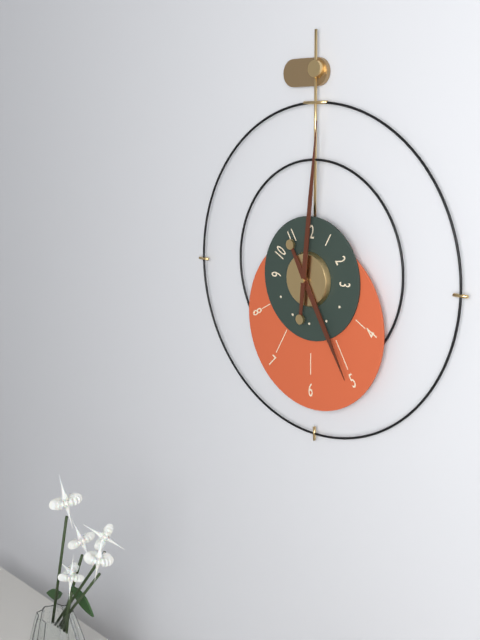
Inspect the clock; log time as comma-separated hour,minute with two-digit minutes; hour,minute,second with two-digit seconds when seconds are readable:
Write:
5,01
